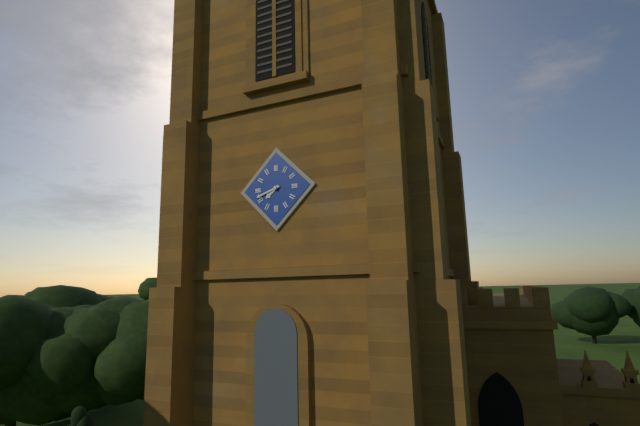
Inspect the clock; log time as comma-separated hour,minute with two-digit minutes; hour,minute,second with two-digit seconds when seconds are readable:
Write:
7,42
